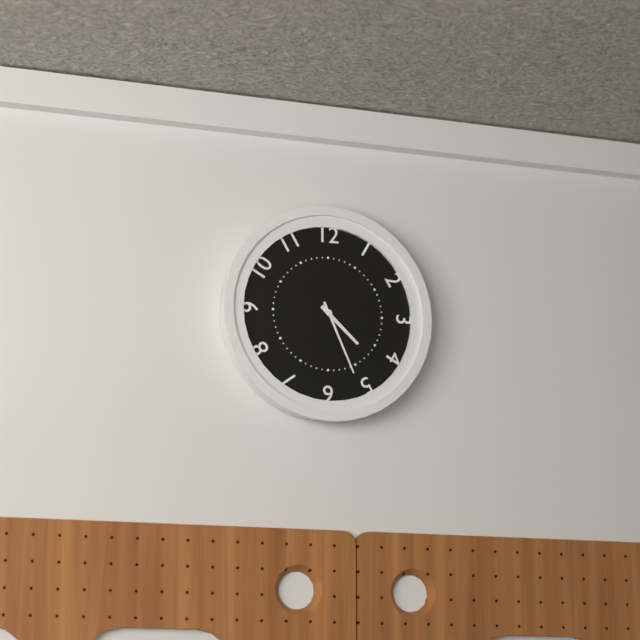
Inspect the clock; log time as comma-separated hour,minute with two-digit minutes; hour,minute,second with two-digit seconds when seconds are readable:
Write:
4,26
